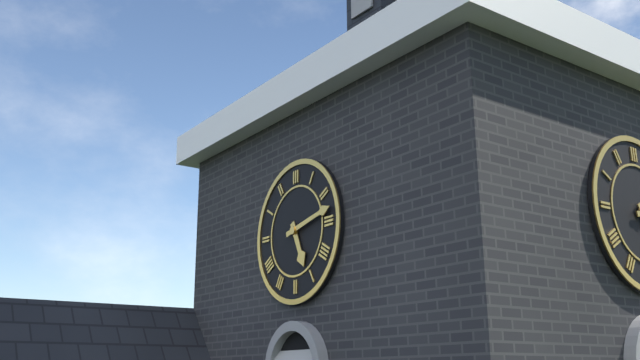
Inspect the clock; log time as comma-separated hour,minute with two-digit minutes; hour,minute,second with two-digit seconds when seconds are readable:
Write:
5,13
